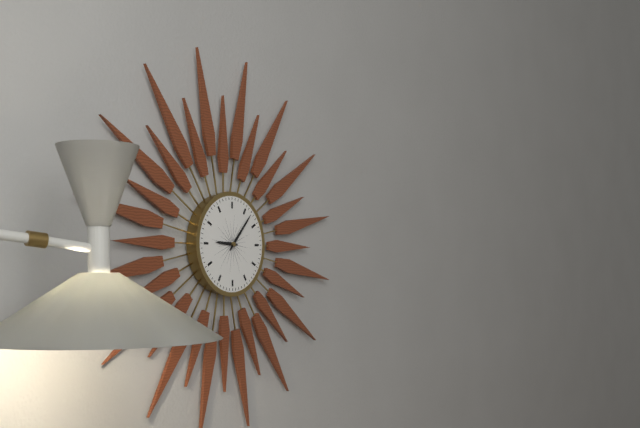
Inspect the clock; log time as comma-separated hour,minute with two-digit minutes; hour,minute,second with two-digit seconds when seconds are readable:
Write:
9,07
